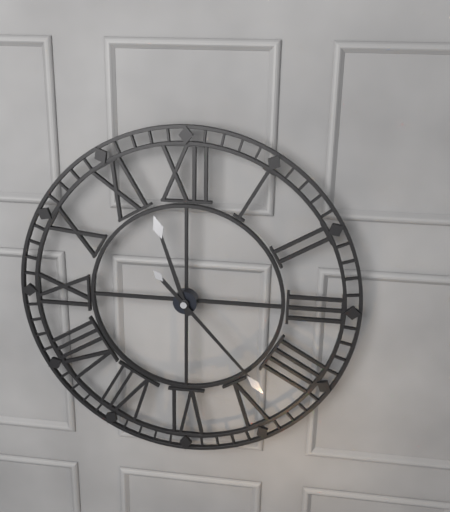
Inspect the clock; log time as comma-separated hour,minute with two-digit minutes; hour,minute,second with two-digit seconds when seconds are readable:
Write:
11,23
